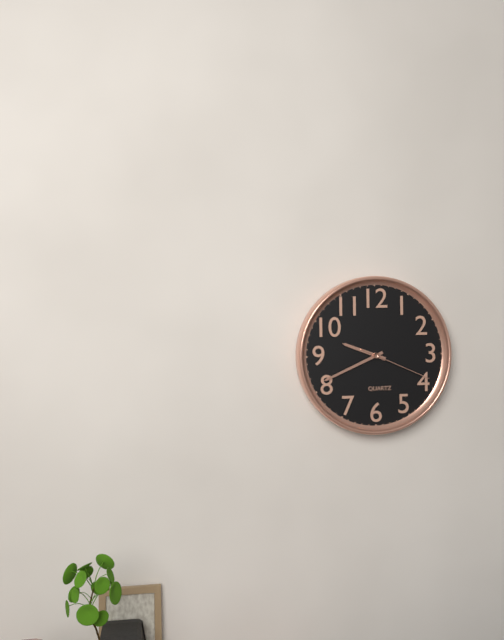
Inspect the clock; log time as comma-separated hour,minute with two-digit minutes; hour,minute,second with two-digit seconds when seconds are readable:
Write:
9,41,19
